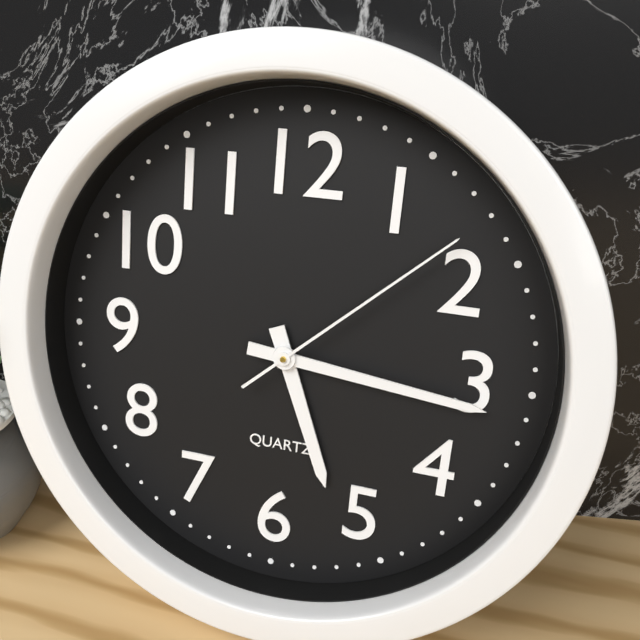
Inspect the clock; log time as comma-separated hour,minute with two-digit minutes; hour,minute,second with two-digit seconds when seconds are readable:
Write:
5,16,08
